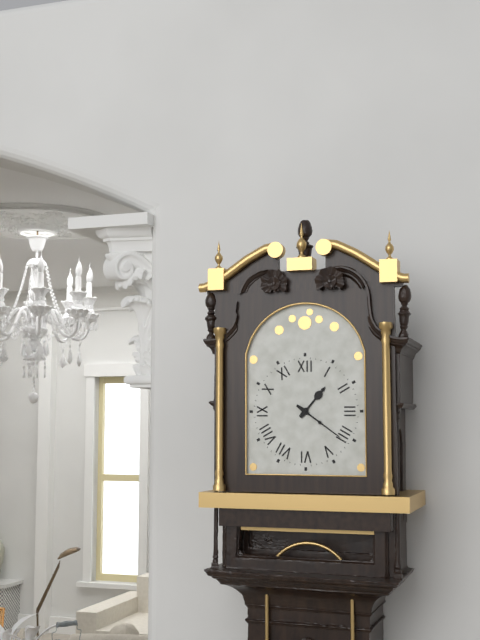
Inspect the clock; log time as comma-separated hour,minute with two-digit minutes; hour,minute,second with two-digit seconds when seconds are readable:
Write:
1,21
